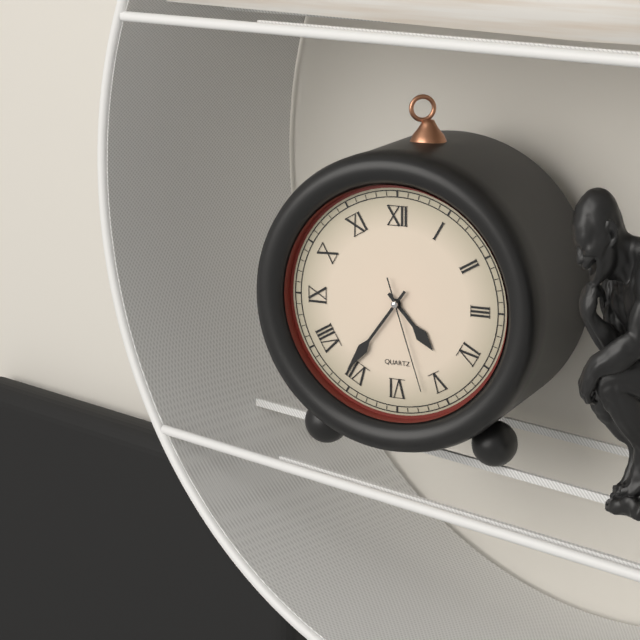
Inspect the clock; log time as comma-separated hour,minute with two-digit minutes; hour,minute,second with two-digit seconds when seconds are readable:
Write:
4,36,27
